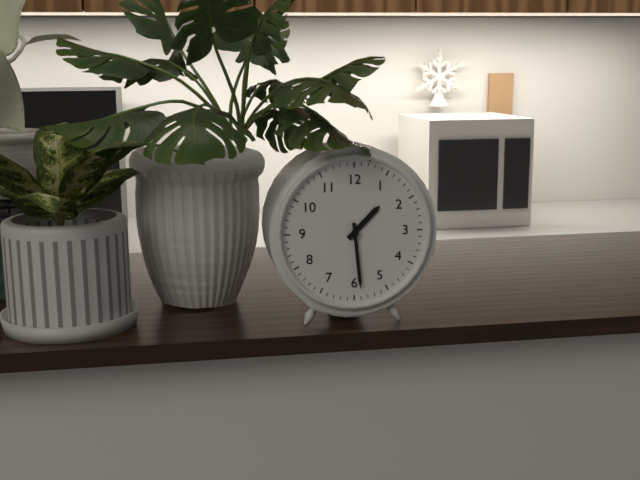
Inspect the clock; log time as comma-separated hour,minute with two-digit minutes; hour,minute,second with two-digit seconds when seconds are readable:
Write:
1,29
